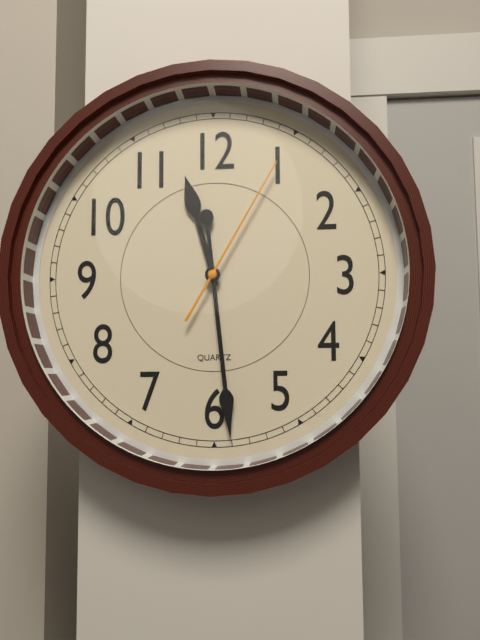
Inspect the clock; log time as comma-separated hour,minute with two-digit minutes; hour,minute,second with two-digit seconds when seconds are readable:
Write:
11,29,05
